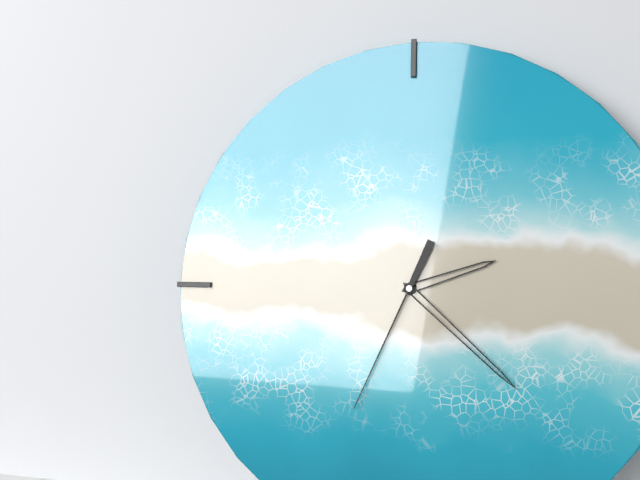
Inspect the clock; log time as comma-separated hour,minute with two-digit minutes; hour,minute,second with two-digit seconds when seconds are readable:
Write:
2,22,34
